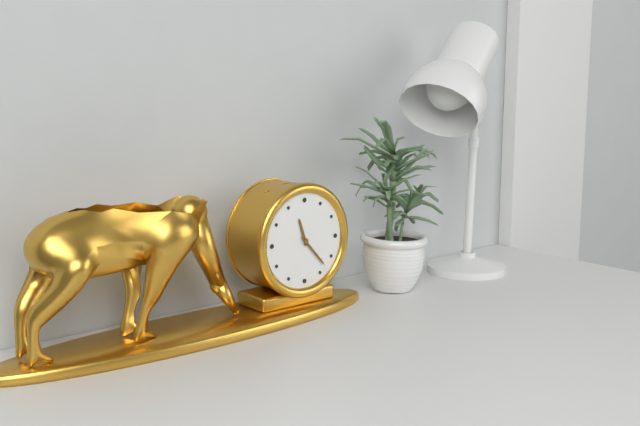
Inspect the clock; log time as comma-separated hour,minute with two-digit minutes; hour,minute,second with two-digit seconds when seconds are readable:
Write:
11,23
